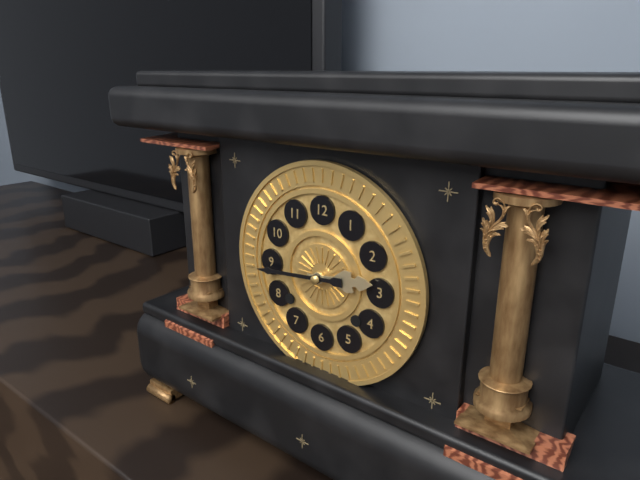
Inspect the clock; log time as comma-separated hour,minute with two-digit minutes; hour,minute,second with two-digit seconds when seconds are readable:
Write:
2,44
